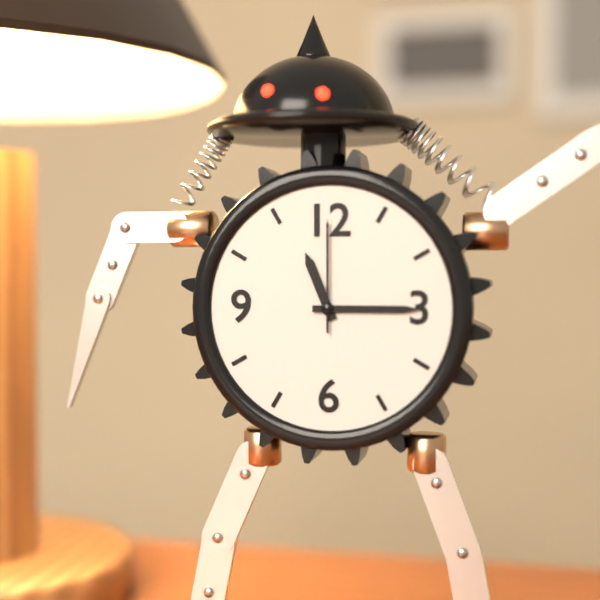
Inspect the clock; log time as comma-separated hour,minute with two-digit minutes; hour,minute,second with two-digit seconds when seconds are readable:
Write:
11,15,00
